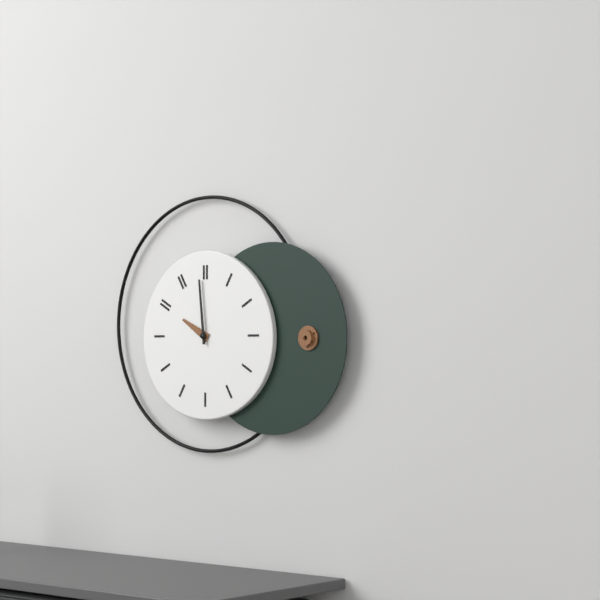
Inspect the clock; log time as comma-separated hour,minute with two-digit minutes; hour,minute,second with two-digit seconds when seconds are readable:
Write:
9,59
